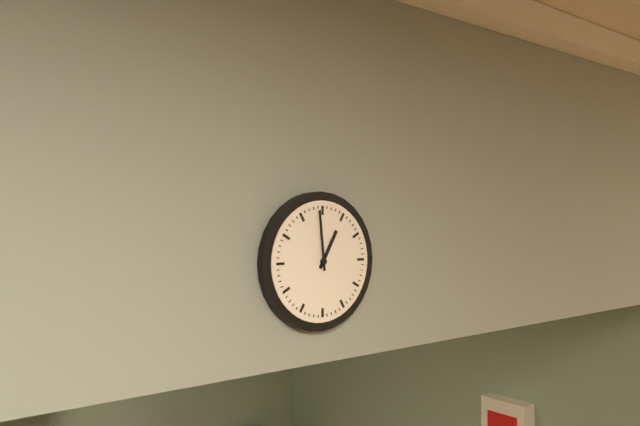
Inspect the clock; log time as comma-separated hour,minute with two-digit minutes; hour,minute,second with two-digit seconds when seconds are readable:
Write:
12,59
